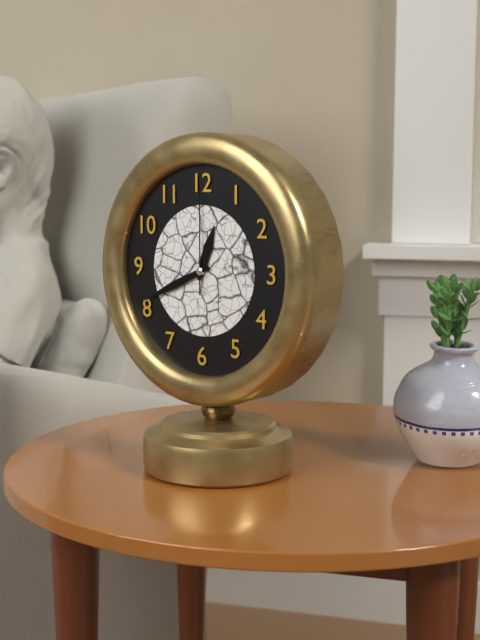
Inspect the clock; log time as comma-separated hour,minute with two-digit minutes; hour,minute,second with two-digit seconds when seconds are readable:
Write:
12,41,00
